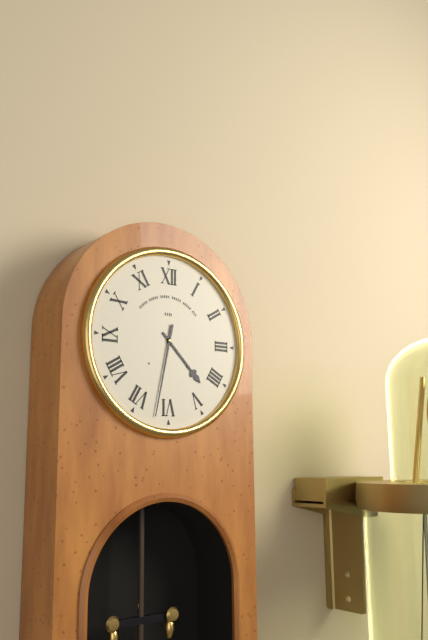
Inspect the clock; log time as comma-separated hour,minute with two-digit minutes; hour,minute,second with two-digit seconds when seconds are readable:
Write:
4,32
